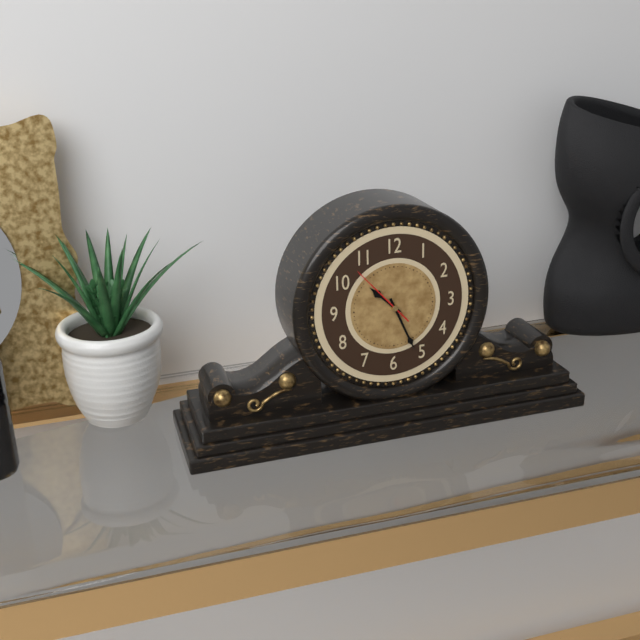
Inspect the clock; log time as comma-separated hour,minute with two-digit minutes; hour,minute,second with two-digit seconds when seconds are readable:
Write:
10,26,53
